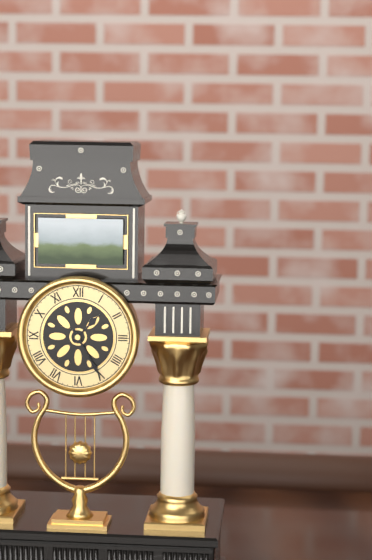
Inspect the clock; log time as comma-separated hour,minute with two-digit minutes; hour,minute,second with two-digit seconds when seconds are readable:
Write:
1,25
